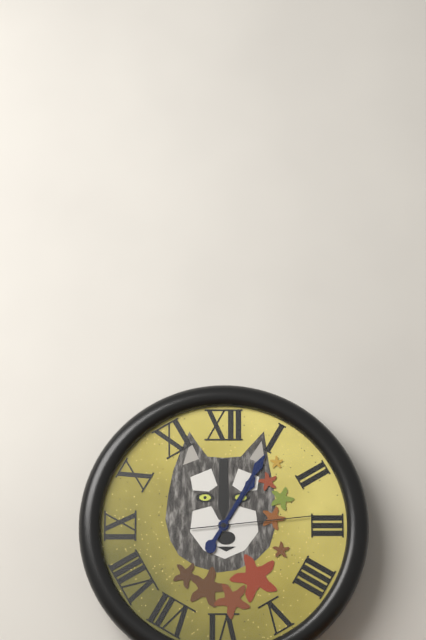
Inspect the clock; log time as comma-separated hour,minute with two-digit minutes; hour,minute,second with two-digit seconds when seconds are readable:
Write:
1,05,14
